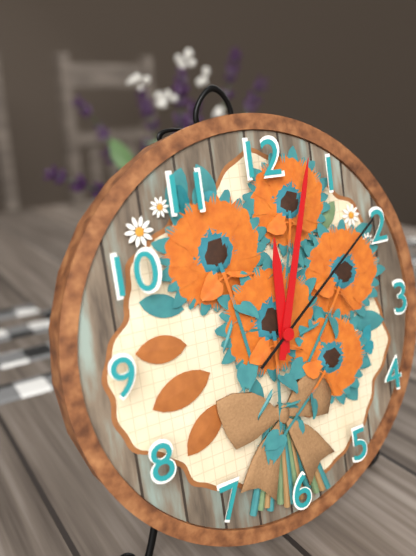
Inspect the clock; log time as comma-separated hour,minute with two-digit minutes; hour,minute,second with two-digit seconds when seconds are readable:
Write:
12,03,09
